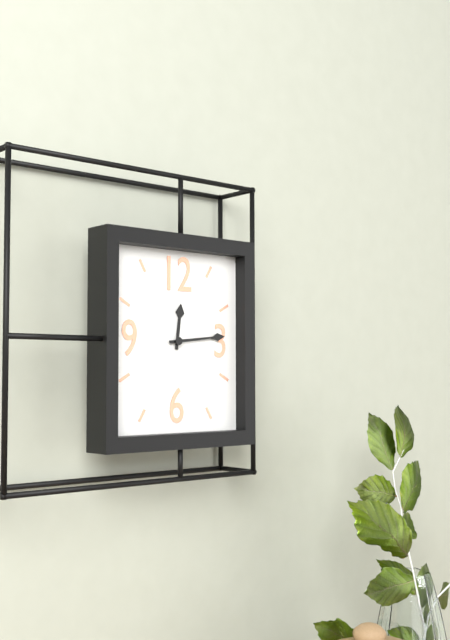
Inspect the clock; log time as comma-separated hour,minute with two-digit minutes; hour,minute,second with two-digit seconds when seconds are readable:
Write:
12,14
